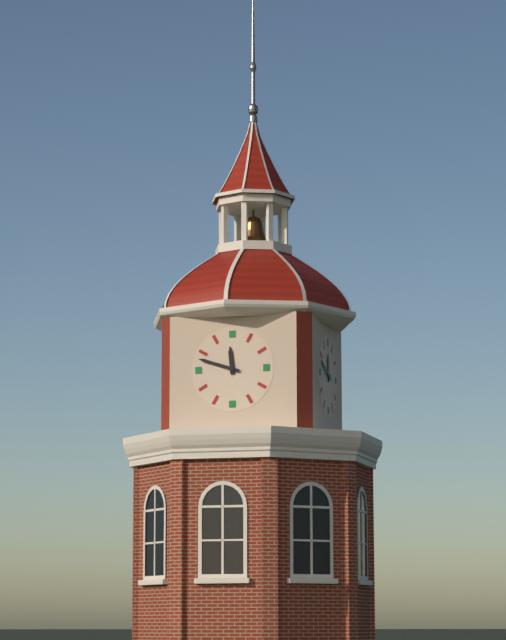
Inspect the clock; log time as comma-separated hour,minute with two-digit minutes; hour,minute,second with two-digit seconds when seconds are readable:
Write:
11,48
